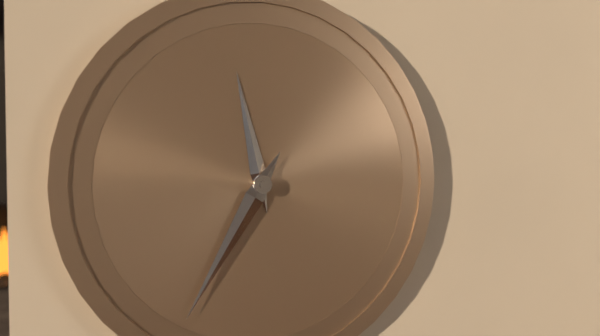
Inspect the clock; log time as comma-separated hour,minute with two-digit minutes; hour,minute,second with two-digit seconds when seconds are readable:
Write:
11,35
